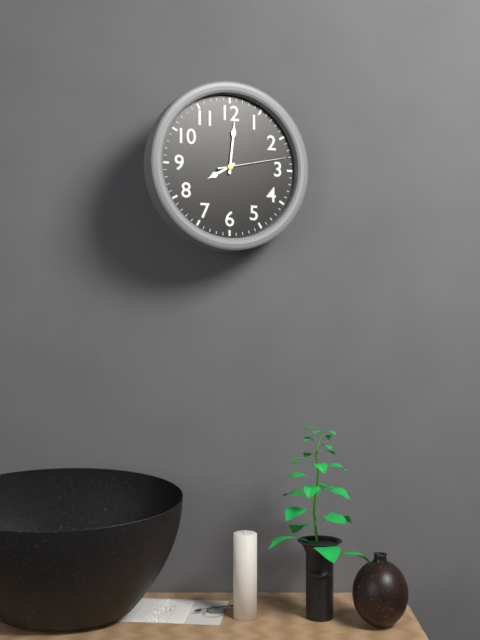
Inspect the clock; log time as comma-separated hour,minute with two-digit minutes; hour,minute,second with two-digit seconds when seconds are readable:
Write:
8,01,13
